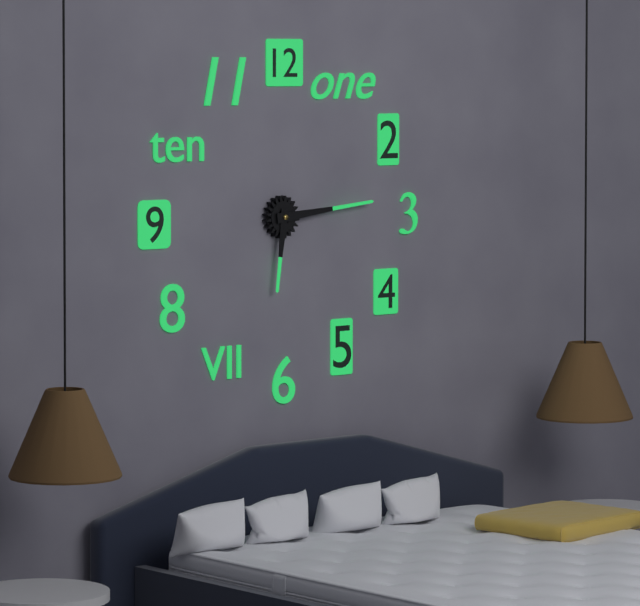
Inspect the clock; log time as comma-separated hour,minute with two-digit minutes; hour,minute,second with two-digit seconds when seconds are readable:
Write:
6,14
